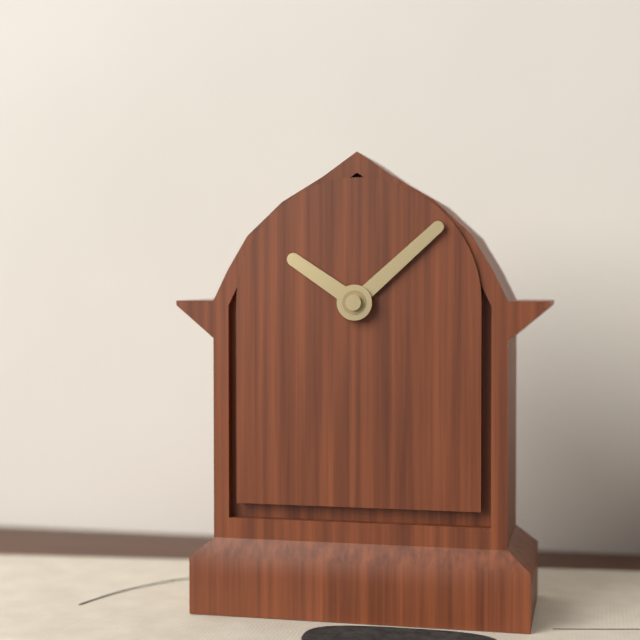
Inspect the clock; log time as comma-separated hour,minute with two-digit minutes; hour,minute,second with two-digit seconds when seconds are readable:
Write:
10,08
